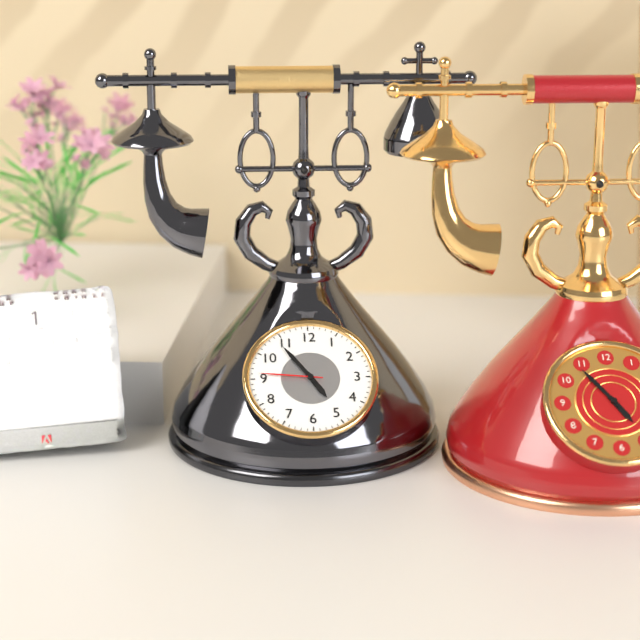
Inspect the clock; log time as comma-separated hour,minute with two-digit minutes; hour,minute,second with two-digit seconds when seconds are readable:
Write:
4,54,46
